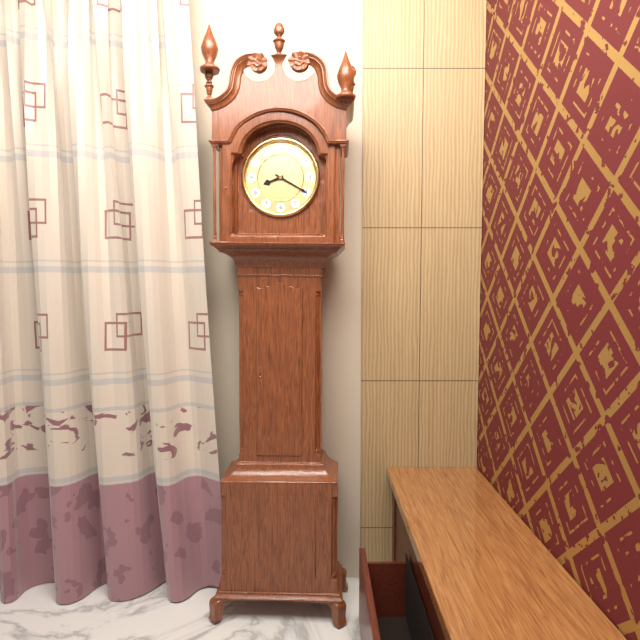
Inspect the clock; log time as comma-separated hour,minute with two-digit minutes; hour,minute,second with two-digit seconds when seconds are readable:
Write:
8,20
